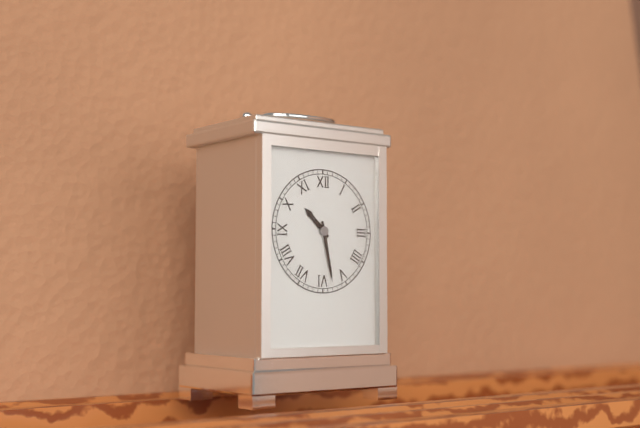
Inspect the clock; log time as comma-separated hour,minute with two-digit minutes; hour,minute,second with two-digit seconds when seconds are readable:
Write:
10,28
